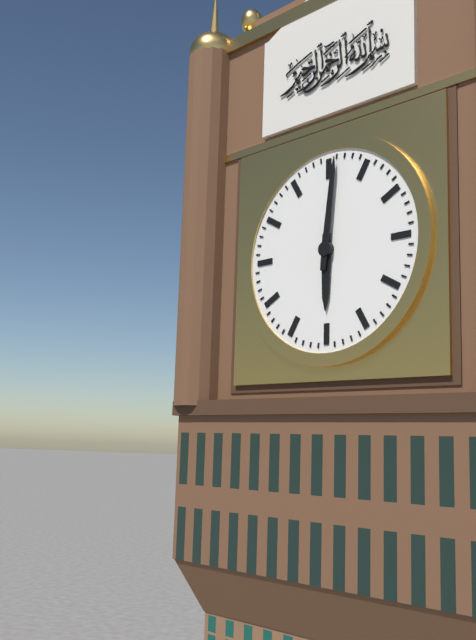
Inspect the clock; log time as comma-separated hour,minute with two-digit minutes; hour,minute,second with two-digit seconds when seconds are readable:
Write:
6,01
